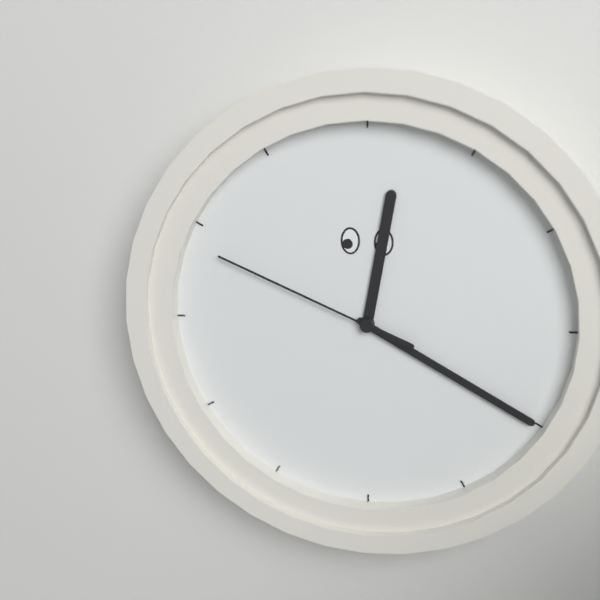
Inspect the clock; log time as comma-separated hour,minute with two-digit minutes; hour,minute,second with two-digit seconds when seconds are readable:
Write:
12,20,49
